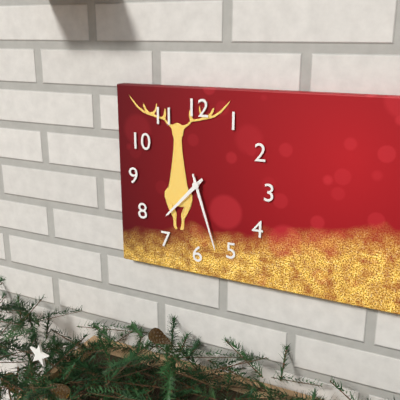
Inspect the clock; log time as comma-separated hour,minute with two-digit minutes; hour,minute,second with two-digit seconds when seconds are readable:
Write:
7,27
